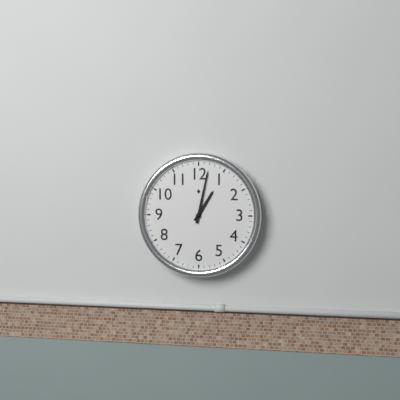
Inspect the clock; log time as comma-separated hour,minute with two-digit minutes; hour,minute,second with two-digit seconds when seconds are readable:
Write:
1,02
